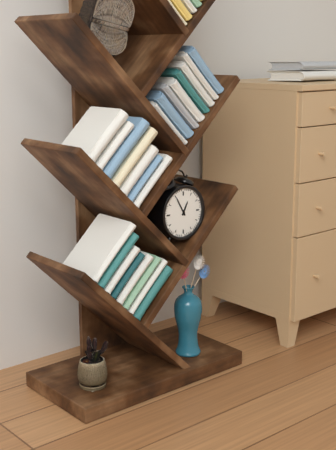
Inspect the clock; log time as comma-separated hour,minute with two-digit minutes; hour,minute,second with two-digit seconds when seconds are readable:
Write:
12,55
